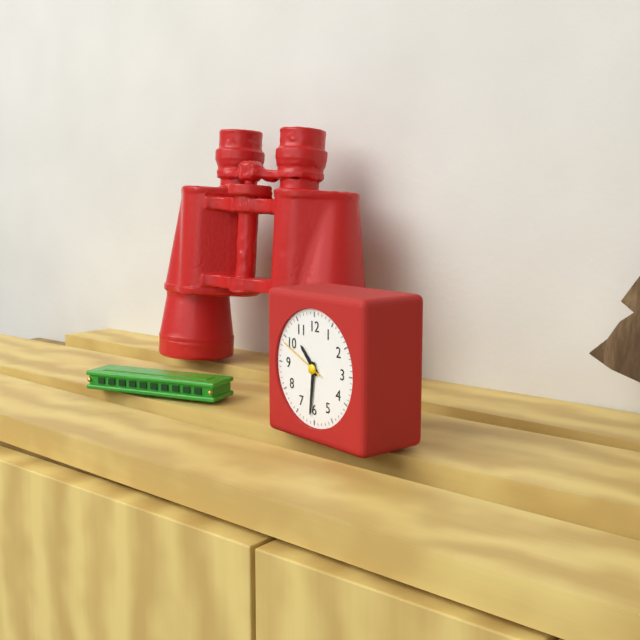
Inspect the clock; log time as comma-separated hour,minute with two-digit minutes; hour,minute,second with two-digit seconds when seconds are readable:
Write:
10,31,49
